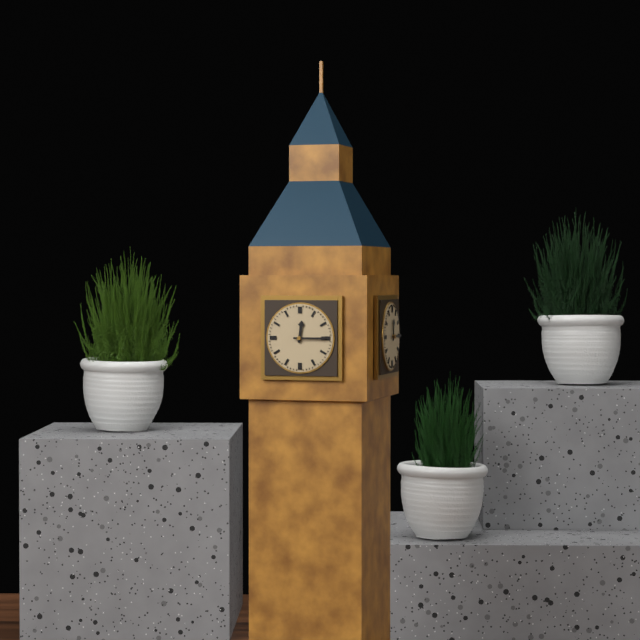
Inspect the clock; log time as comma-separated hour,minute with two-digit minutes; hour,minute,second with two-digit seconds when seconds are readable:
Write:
12,15
